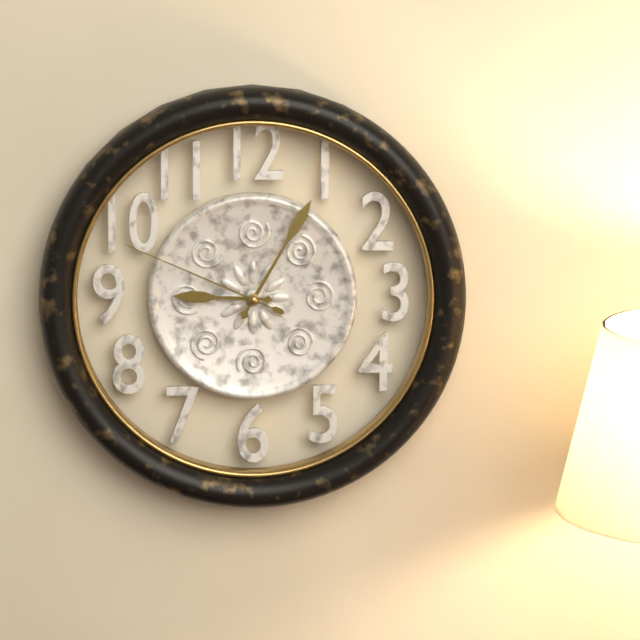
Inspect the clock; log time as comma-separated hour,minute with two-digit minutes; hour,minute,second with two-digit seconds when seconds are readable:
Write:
9,05,49
